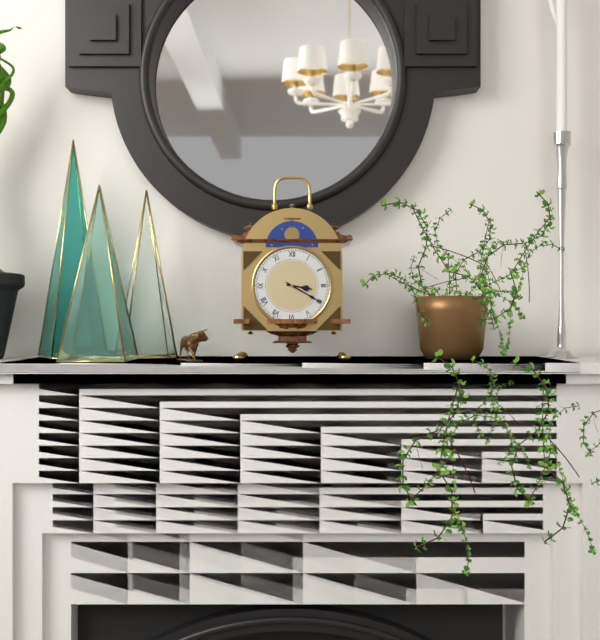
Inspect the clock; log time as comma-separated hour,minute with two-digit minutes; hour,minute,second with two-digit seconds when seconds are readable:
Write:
3,20
